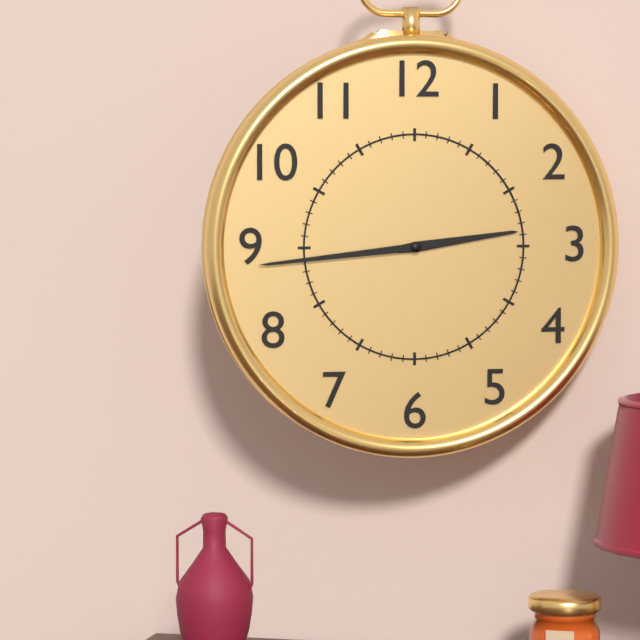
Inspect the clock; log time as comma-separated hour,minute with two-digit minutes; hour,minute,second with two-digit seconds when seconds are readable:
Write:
2,44
